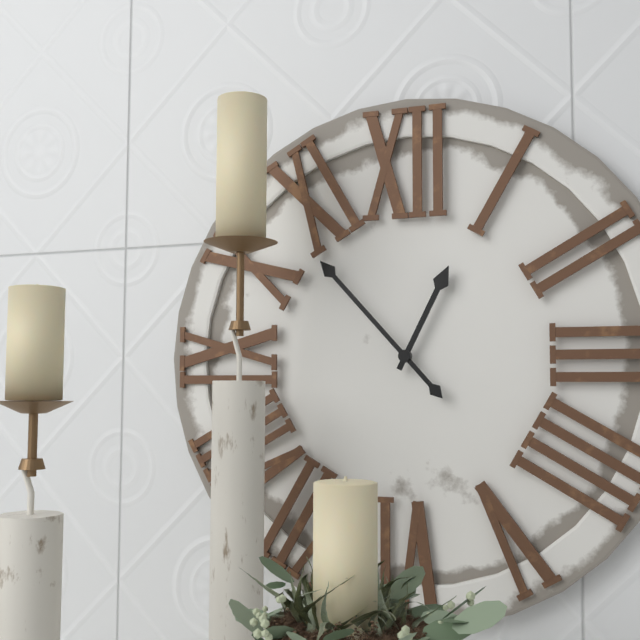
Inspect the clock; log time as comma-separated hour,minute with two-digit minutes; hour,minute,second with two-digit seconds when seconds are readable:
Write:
12,53
